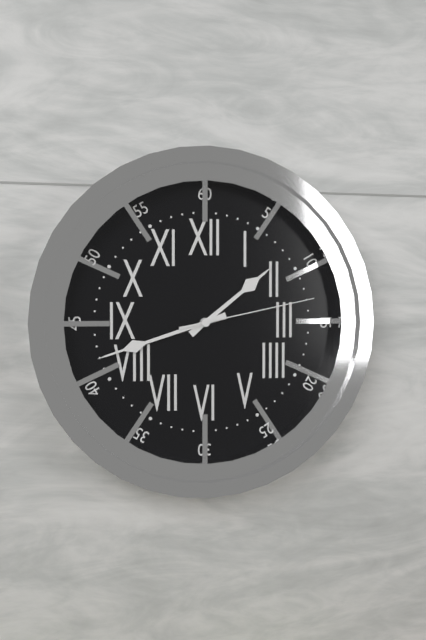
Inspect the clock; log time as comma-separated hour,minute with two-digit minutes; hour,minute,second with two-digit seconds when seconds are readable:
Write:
1,42,13
